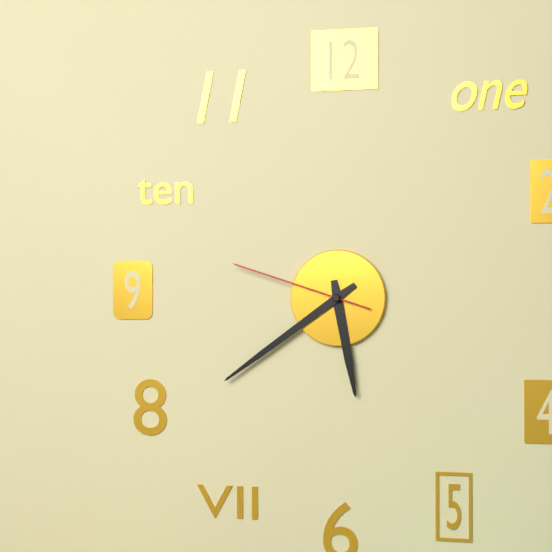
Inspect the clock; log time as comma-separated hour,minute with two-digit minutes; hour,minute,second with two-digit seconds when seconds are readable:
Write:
5,39,48
